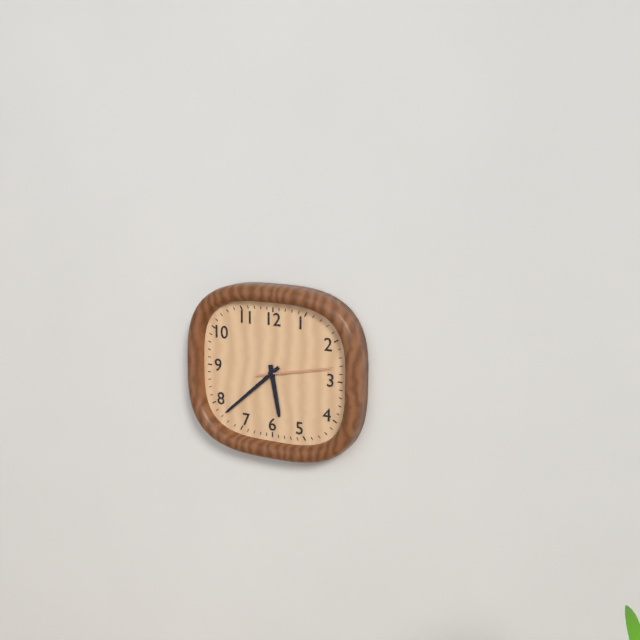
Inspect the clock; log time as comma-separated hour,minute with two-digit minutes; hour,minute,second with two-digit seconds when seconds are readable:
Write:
5,38,13
